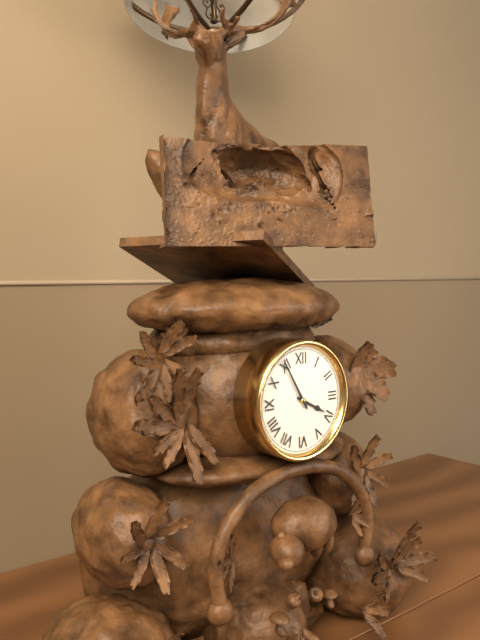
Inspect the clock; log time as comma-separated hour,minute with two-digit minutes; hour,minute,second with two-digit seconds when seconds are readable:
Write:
3,55
